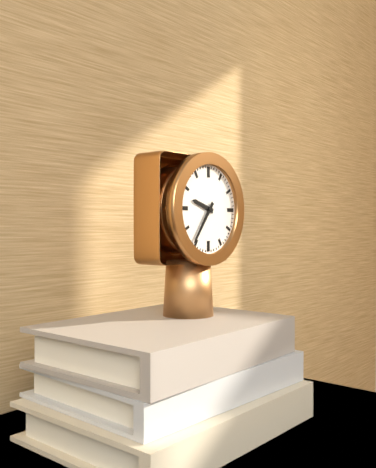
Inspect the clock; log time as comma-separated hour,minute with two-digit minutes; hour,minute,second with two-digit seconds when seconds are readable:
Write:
9,36
